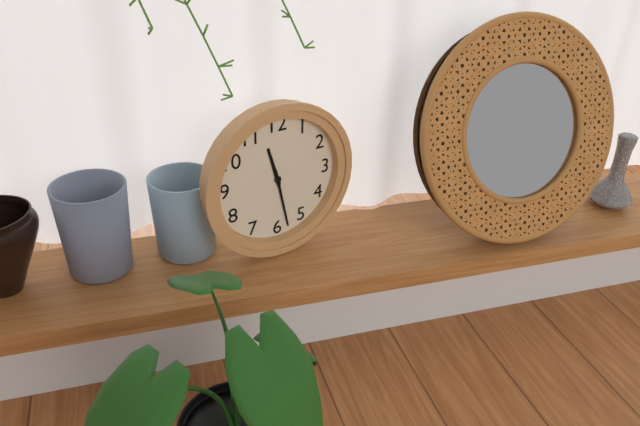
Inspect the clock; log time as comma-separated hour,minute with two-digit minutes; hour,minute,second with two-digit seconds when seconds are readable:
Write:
11,28
